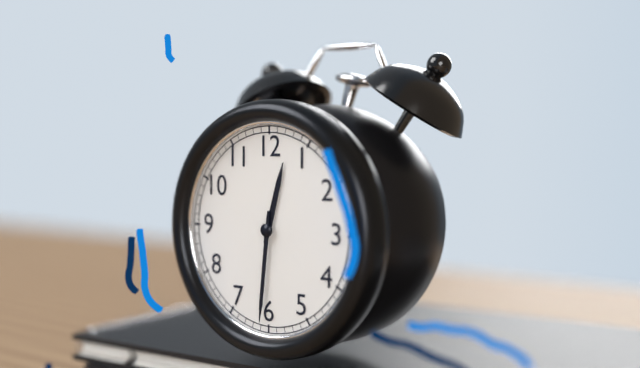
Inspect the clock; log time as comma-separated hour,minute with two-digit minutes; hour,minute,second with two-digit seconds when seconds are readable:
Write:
12,31
